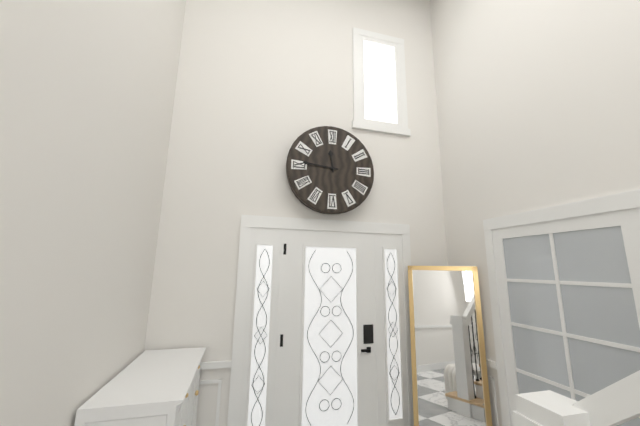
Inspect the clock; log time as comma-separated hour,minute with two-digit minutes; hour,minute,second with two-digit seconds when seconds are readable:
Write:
11,46
